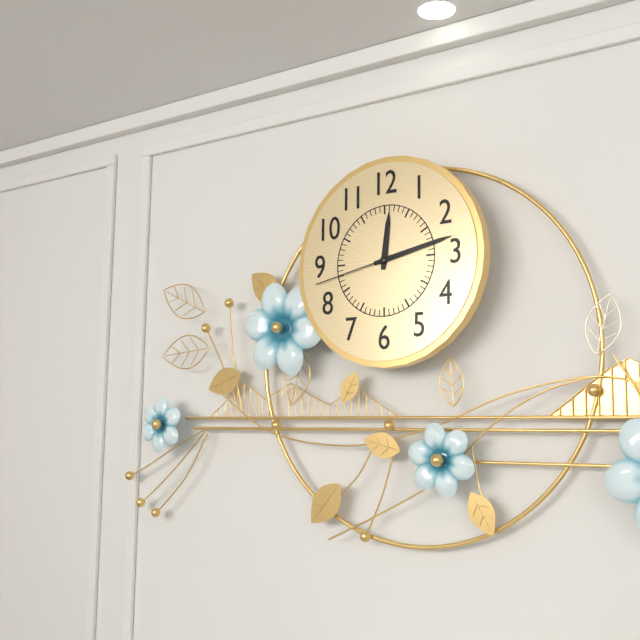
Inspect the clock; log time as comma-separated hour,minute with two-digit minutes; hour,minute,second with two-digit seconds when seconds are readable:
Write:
12,13,43
